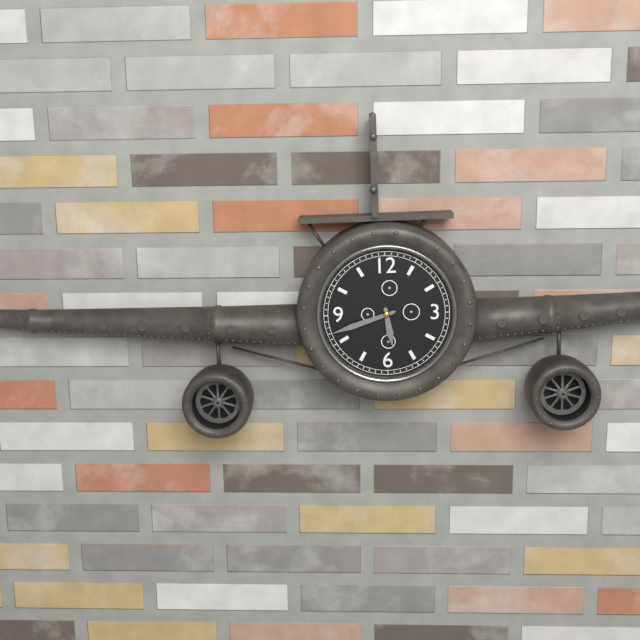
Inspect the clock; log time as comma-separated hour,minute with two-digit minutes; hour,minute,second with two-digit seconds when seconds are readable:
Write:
5,42
